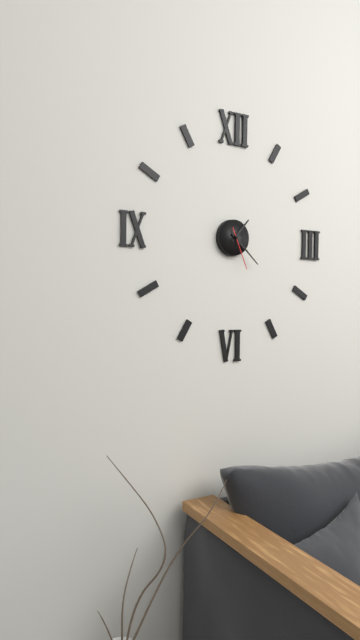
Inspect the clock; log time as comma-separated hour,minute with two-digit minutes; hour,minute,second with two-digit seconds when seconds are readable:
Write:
1,22
